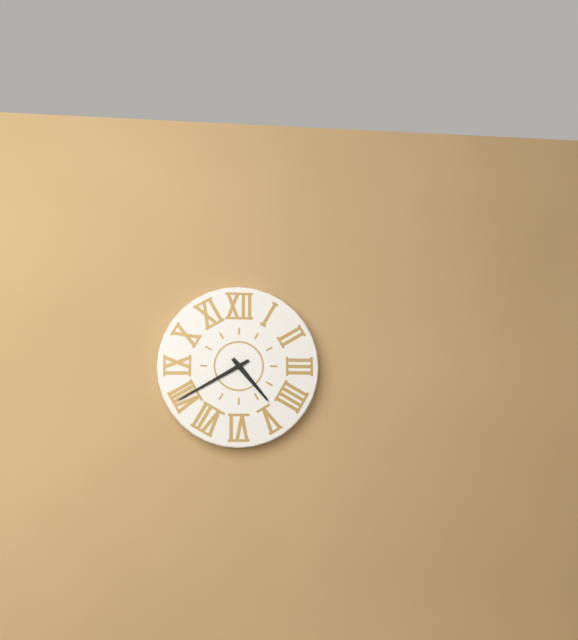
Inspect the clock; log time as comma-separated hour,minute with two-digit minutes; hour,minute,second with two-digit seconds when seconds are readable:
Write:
4,40
